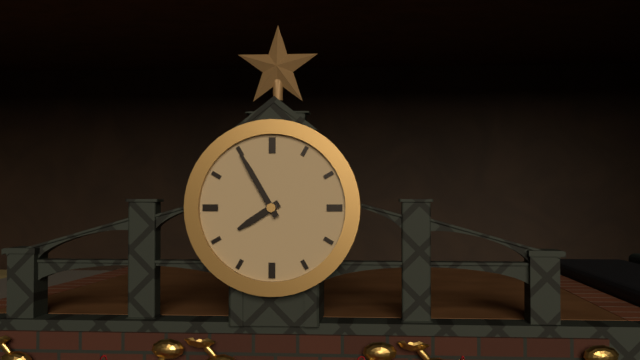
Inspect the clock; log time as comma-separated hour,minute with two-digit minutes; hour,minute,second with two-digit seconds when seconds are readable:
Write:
7,55
